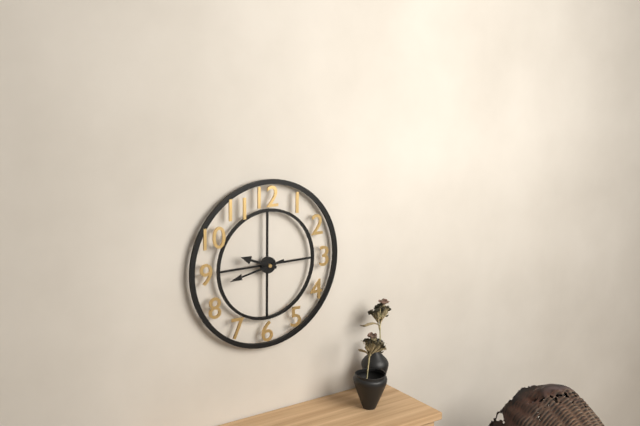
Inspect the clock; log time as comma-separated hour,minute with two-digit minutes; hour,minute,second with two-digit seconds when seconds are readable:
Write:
9,43
